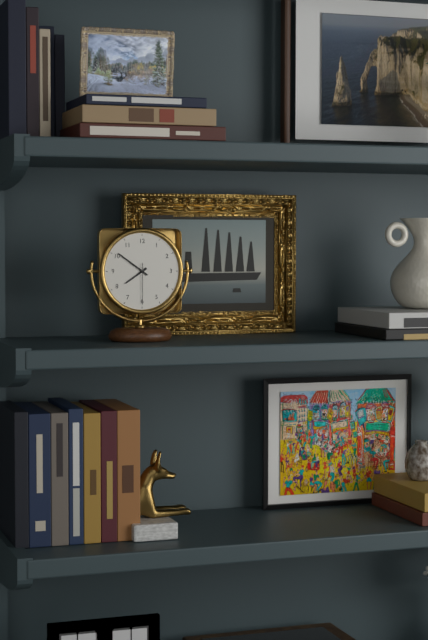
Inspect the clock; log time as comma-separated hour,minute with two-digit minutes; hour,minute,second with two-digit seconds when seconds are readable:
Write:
7,51
